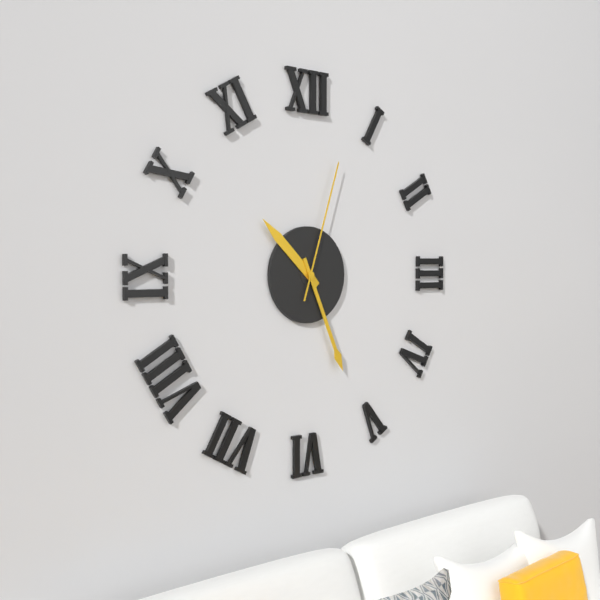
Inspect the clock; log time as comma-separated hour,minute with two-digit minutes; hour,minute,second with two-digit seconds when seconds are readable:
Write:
10,26,03
